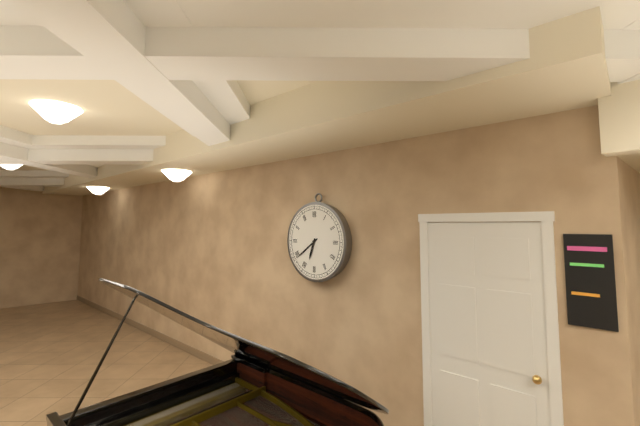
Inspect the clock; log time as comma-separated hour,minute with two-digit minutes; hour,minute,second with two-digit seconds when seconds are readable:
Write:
6,39
